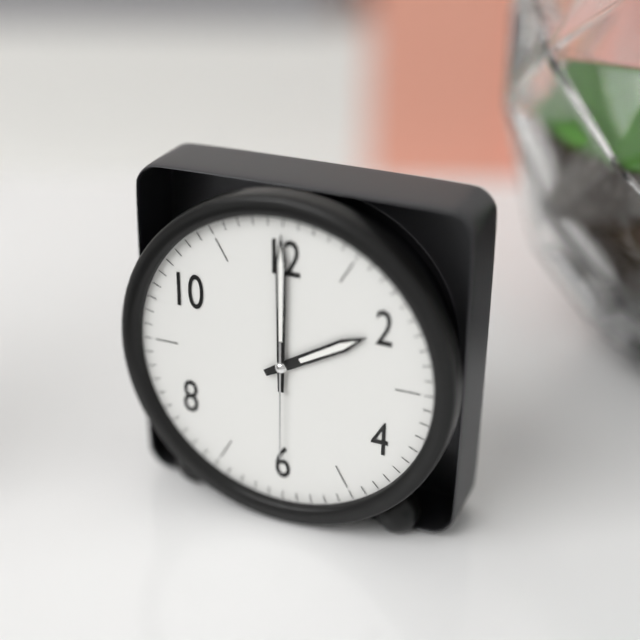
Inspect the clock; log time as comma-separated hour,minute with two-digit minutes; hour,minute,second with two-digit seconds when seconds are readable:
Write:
2,00,30
